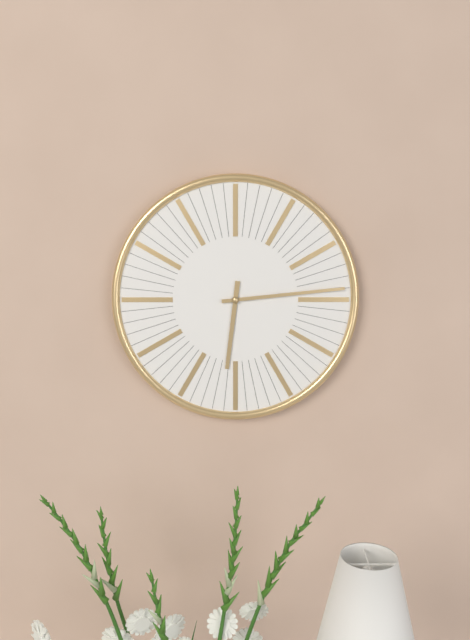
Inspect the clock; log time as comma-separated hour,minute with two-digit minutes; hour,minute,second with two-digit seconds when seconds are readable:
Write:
6,14
